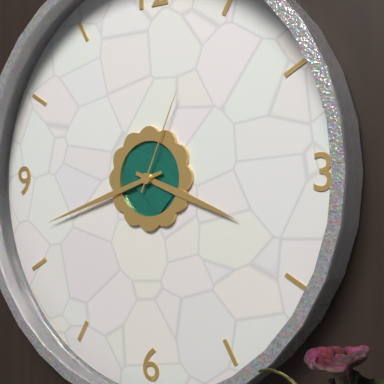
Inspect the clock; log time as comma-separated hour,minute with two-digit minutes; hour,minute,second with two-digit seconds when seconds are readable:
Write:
3,42,04
